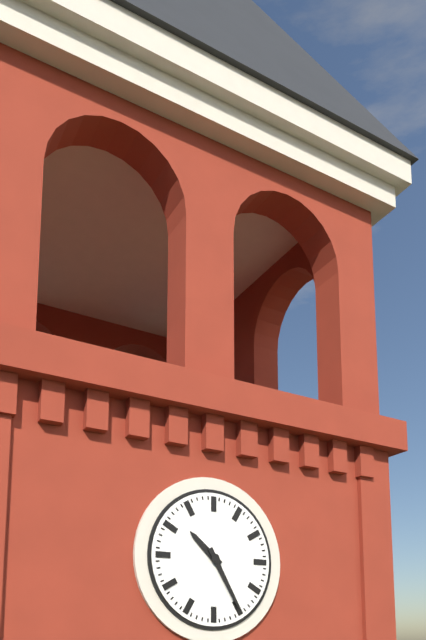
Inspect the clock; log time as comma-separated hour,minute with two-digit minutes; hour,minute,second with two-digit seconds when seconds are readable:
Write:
10,25
